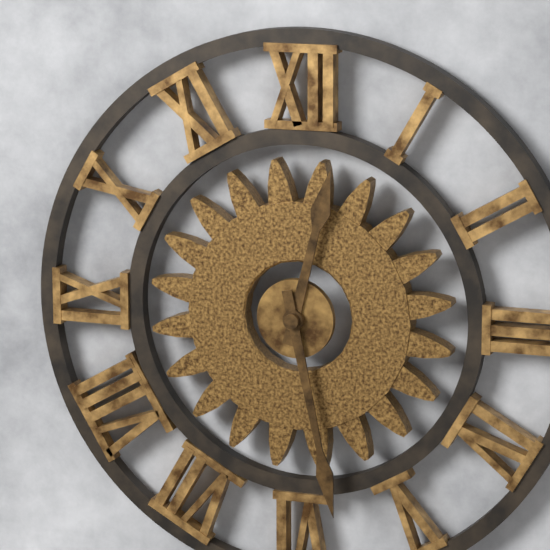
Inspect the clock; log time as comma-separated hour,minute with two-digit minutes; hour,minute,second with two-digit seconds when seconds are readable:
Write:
12,28
